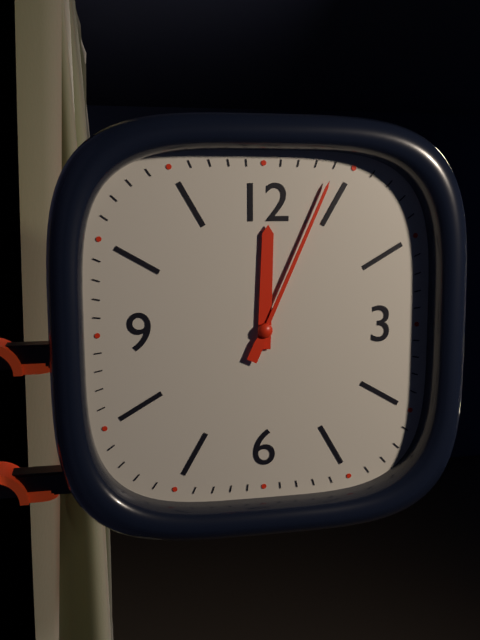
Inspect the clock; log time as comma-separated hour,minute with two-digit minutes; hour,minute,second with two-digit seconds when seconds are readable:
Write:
12,04
